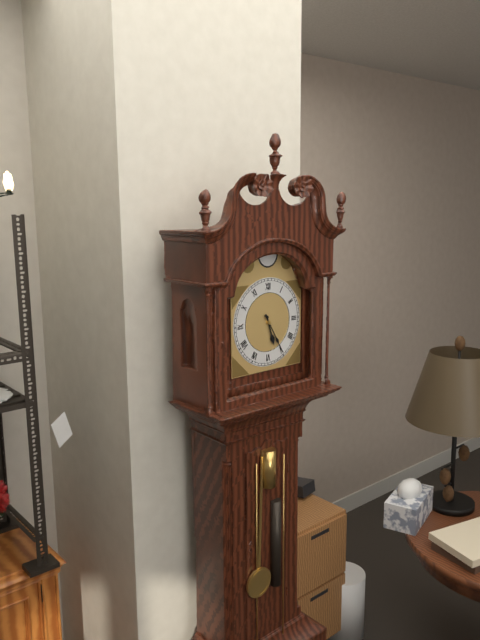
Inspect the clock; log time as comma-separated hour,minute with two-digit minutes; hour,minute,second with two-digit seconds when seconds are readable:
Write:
5,25
